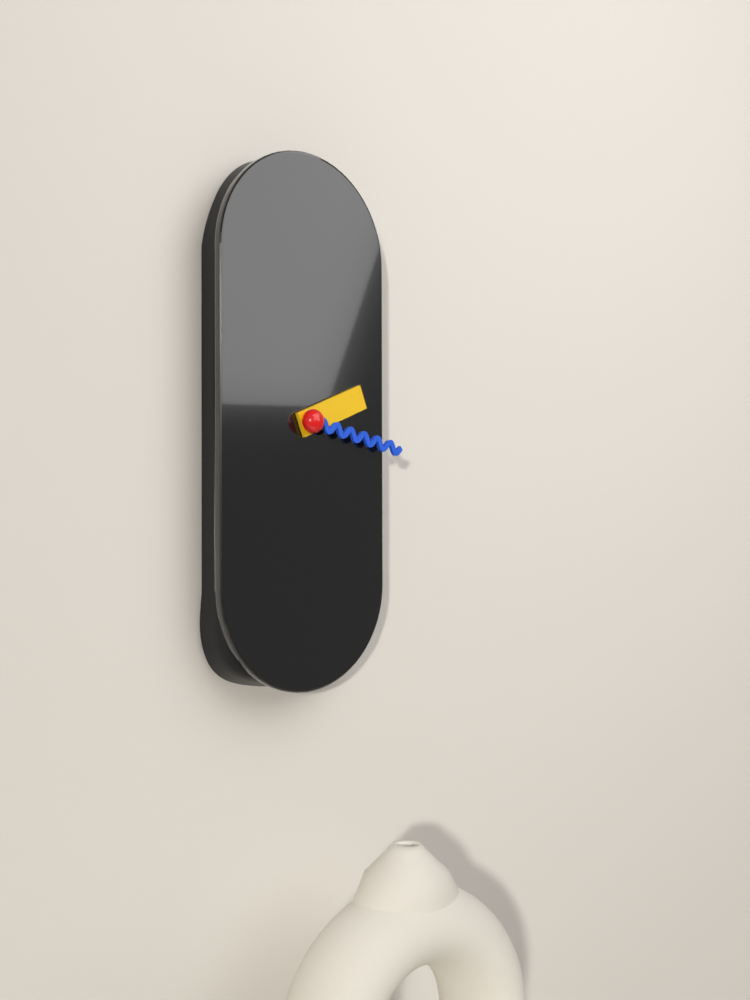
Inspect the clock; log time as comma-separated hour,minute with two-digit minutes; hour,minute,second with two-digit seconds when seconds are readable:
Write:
2,17
